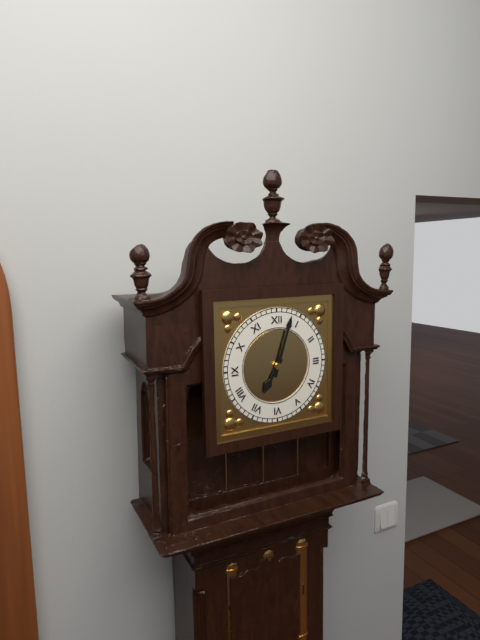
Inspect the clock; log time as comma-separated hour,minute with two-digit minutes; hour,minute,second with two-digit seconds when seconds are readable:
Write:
7,03
